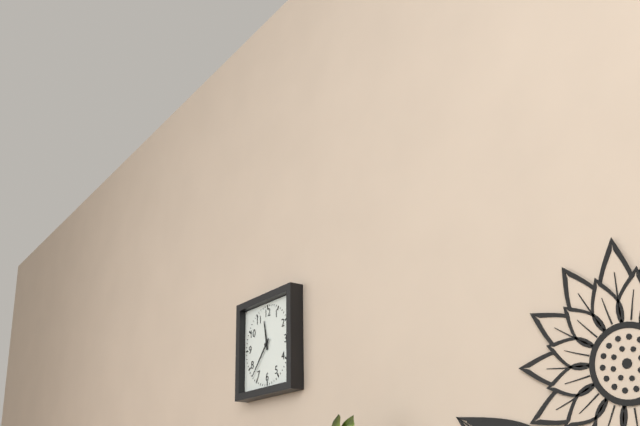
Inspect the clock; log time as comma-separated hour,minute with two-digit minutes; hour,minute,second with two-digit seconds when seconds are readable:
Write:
11,37
